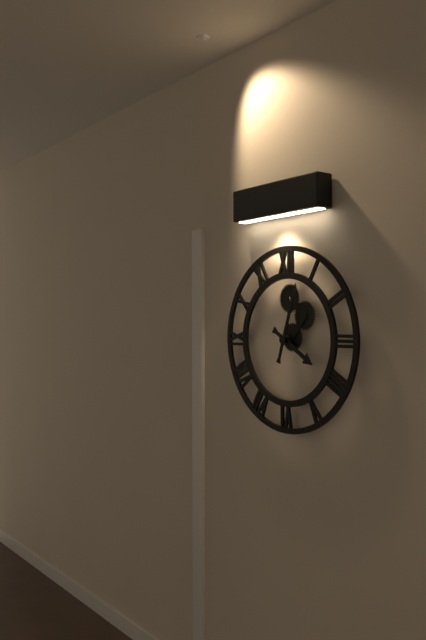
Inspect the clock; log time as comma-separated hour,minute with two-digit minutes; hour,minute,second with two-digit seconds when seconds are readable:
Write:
4,03
